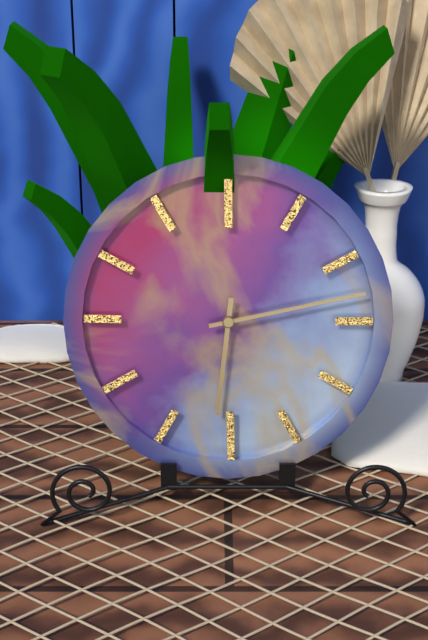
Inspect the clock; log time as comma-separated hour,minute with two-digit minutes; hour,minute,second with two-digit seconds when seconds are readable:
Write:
6,13
